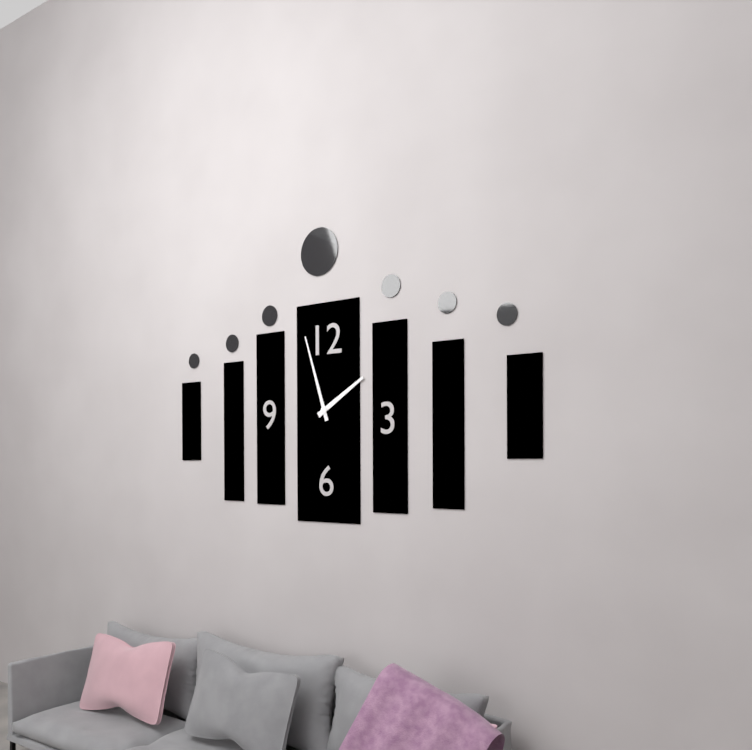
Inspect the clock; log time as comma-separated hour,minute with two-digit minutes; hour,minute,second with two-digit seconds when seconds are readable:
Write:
1,57
